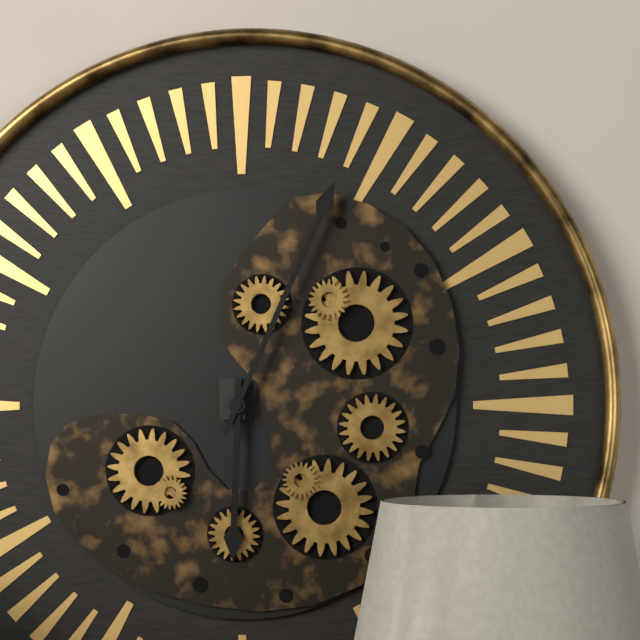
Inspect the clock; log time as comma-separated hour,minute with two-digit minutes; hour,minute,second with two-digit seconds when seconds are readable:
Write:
6,04
